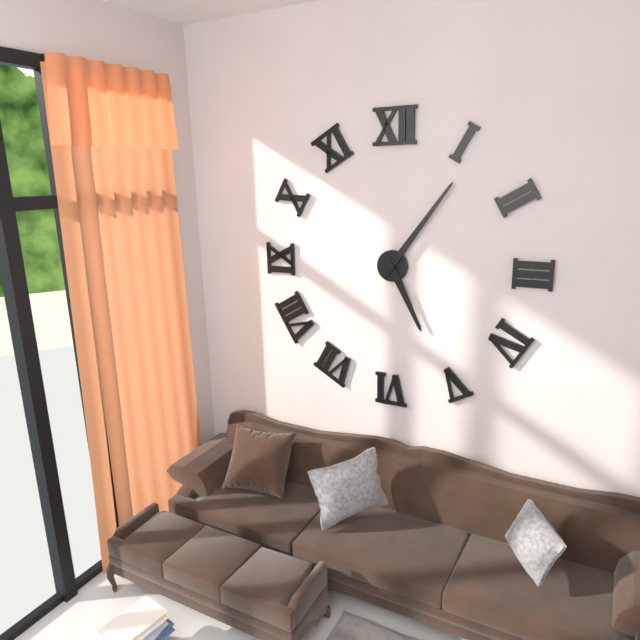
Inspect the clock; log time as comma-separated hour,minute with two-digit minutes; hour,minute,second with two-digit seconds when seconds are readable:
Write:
5,06
